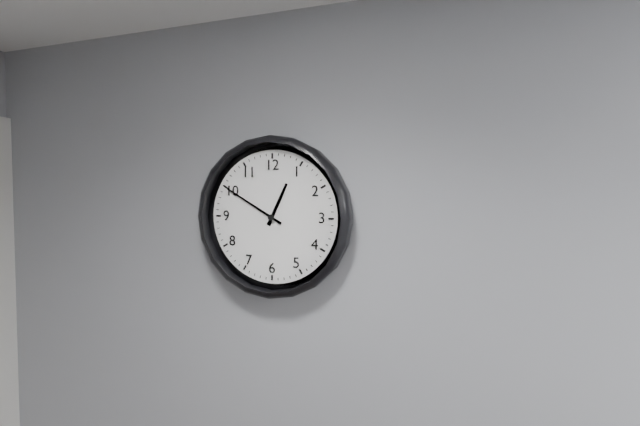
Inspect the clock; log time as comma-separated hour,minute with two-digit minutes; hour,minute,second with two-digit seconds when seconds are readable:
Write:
12,50
